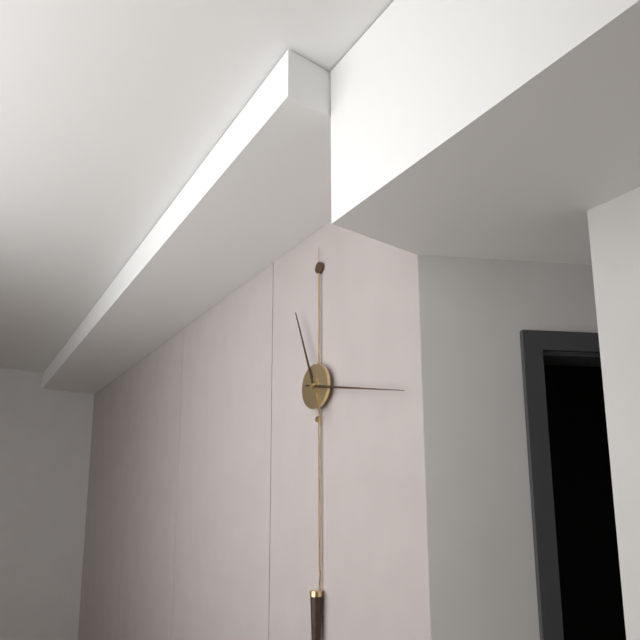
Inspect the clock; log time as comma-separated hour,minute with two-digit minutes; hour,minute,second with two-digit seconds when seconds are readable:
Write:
11,17
